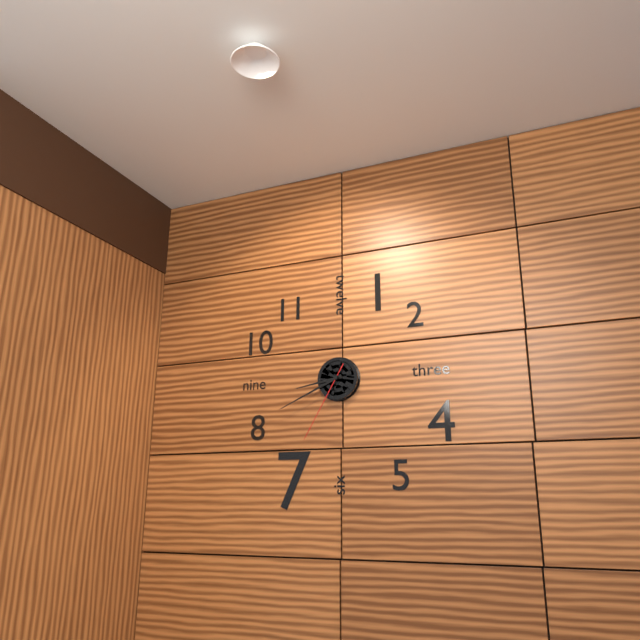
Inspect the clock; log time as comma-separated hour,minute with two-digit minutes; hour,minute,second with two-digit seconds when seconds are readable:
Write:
8,41,35
